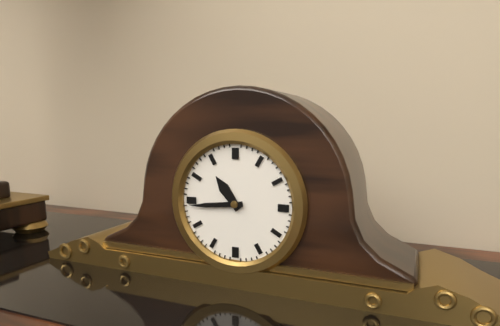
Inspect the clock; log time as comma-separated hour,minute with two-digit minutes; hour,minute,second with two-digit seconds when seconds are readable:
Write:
10,44
